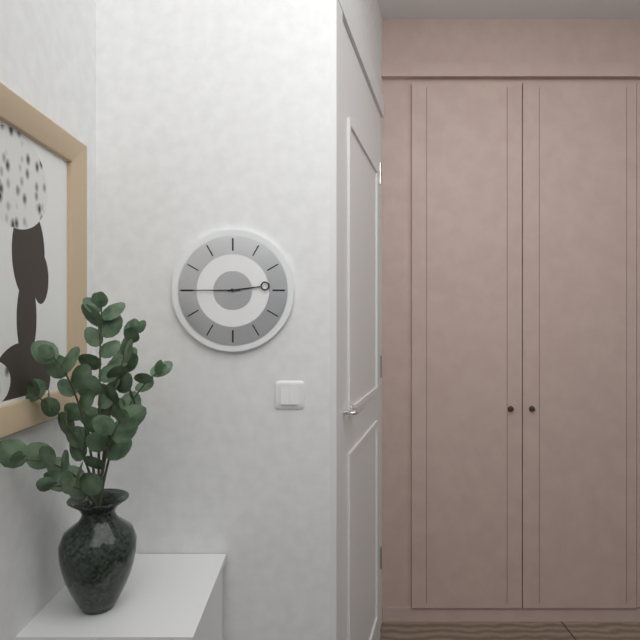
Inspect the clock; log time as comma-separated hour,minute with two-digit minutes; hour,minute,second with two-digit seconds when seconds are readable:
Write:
2,45
